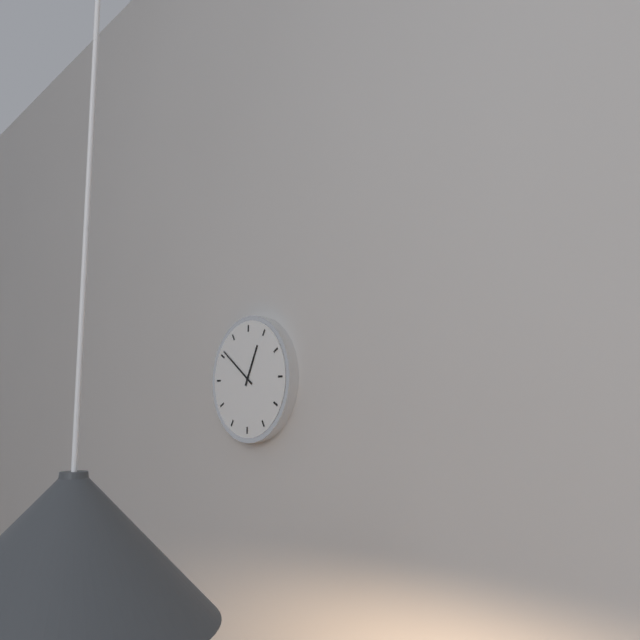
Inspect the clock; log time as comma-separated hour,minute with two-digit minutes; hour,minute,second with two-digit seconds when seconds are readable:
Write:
12,51
